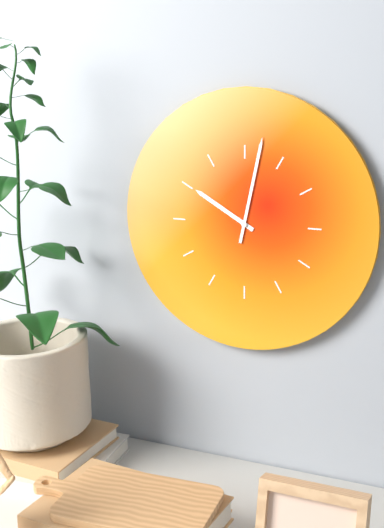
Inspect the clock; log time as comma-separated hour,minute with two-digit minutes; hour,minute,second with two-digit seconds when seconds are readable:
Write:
10,02
